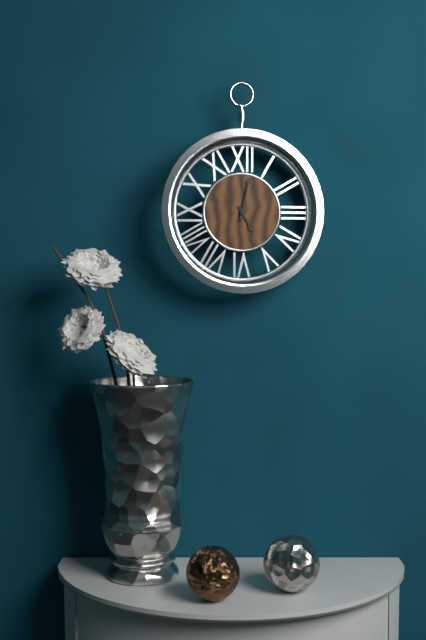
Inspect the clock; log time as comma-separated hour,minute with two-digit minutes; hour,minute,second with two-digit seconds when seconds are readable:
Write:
5,02
